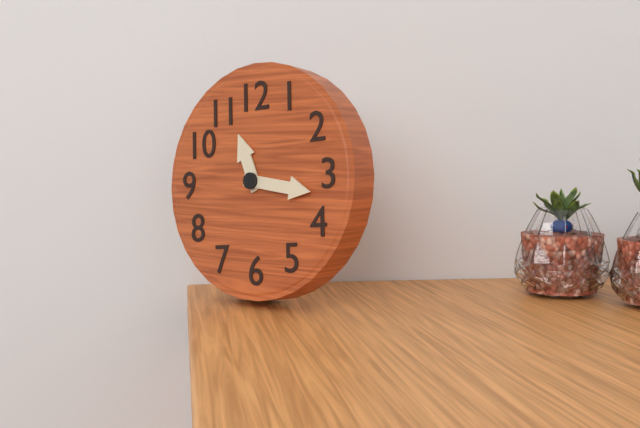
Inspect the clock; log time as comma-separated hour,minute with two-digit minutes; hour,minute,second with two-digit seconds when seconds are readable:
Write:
11,17
